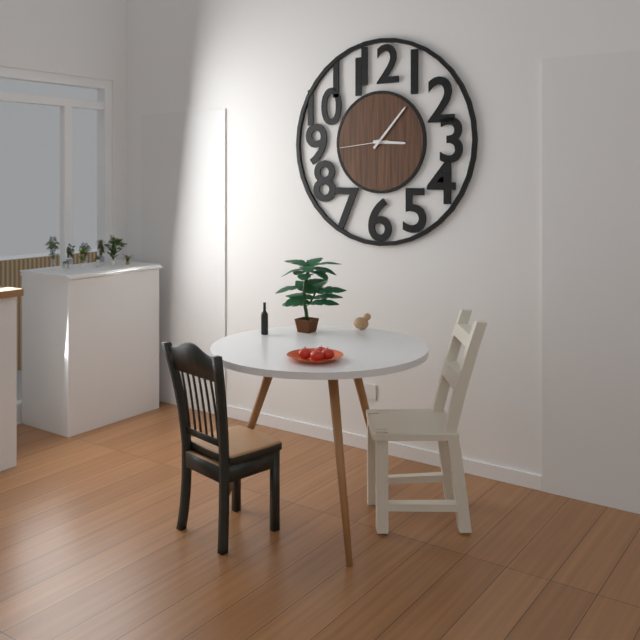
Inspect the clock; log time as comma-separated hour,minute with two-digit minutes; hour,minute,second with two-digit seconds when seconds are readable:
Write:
3,07,44
